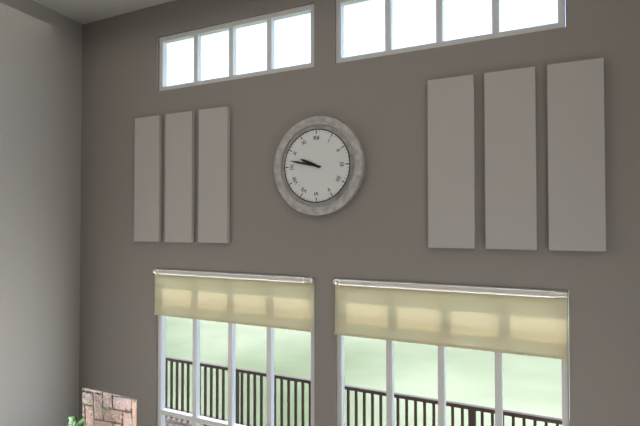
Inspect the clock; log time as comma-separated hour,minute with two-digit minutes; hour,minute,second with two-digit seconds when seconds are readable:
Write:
9,47
